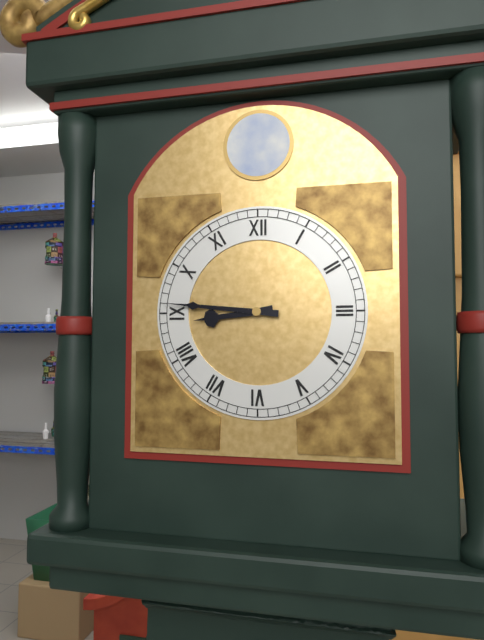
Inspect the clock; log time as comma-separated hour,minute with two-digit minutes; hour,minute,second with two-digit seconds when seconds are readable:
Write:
8,46
